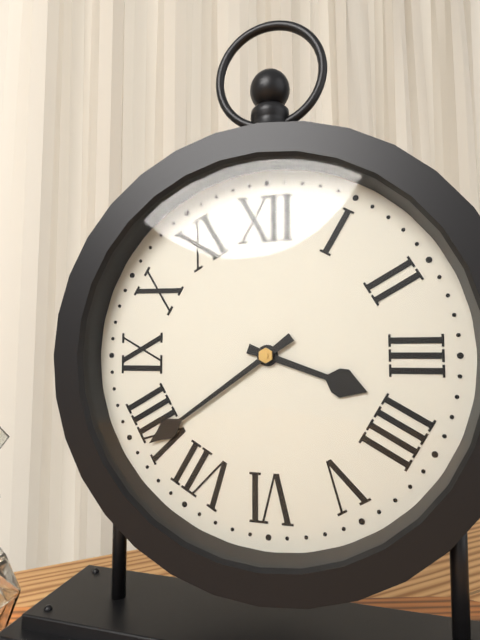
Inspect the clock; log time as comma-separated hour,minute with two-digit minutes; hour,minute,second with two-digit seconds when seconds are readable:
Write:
3,39
